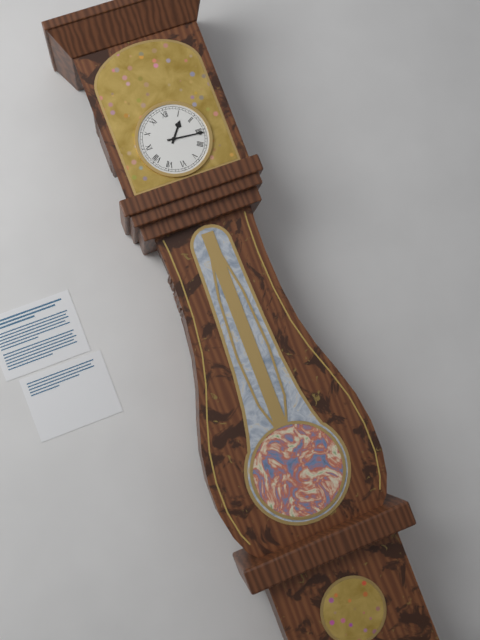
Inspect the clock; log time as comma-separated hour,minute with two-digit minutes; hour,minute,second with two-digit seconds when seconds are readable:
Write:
1,16
